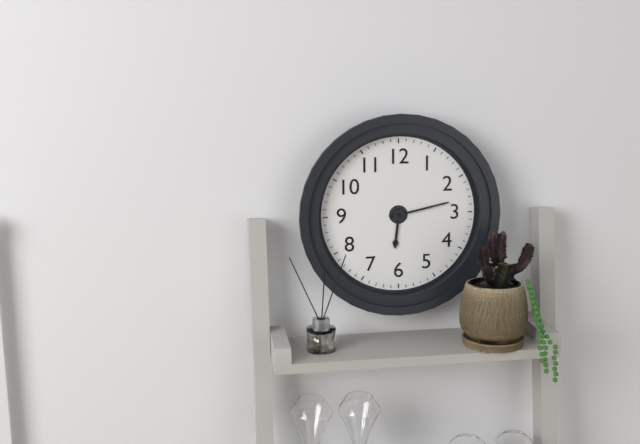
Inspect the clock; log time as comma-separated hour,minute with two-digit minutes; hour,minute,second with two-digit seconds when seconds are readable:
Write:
6,13
